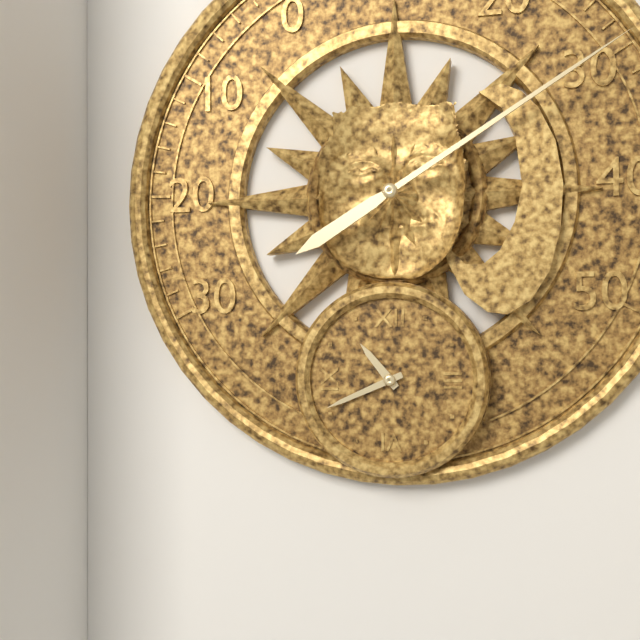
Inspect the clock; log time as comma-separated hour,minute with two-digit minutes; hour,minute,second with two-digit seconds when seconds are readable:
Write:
10,41
